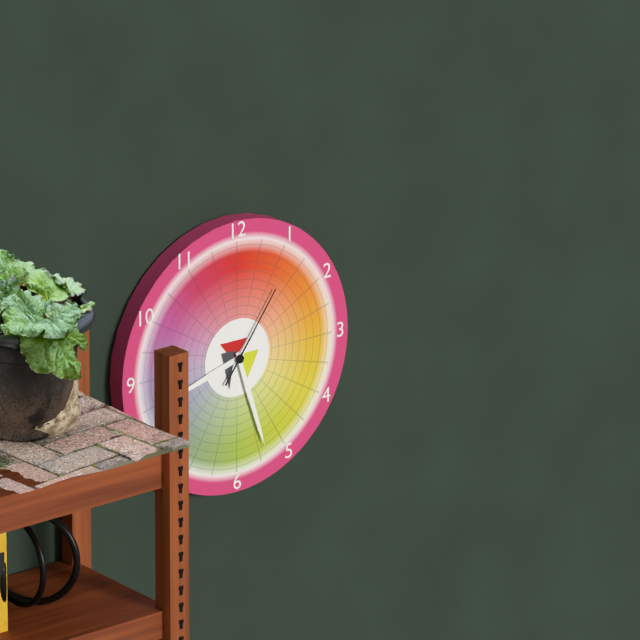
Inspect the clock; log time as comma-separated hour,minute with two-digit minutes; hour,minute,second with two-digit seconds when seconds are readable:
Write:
8,27,06
